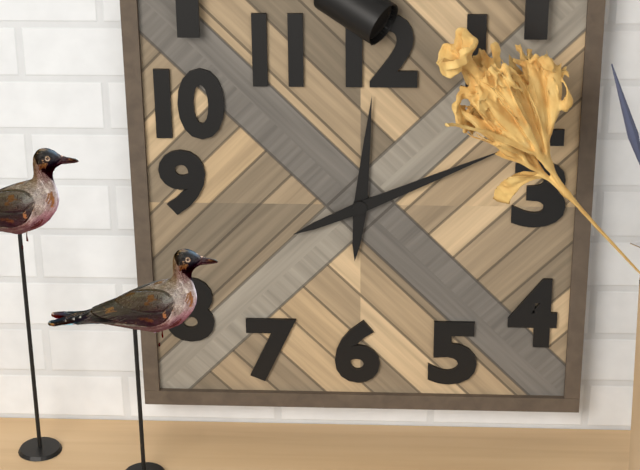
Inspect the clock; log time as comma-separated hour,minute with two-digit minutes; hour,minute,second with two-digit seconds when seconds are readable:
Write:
12,11
